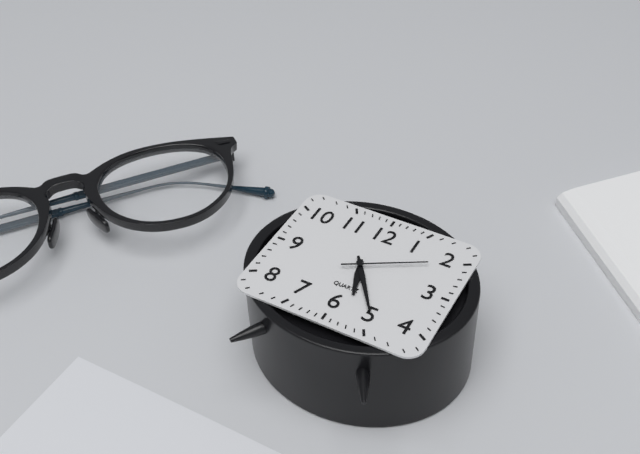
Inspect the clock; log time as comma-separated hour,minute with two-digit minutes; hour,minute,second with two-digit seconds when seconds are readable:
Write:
5,24,10
